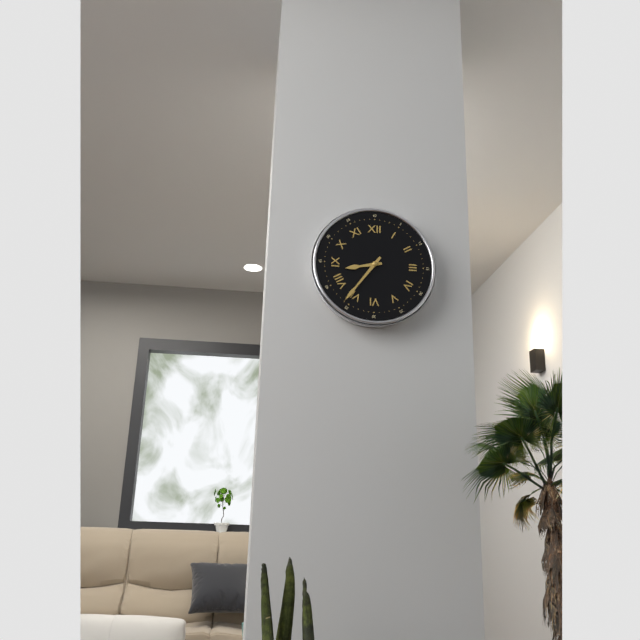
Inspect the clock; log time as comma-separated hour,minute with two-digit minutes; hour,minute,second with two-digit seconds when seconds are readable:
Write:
8,36
